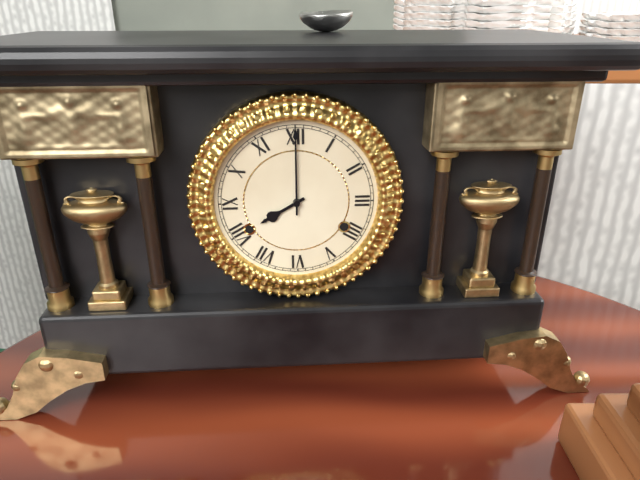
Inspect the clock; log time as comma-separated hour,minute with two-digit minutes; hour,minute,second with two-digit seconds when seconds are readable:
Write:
8,00
